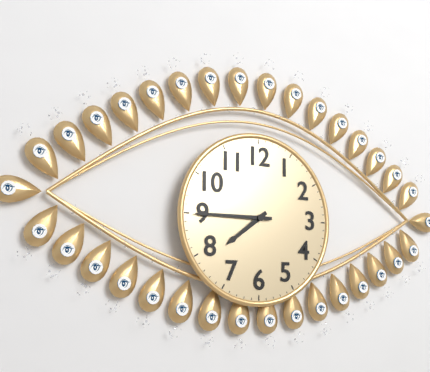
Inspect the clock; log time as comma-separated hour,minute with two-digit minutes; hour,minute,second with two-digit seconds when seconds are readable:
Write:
7,45
